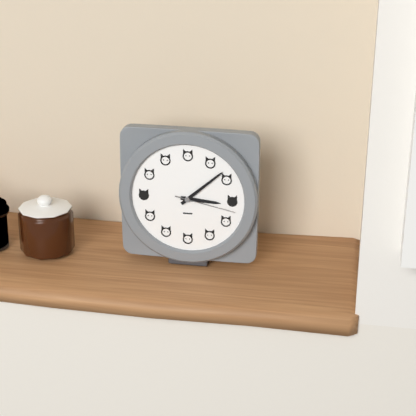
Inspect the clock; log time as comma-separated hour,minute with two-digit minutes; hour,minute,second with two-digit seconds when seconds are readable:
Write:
3,08,17
